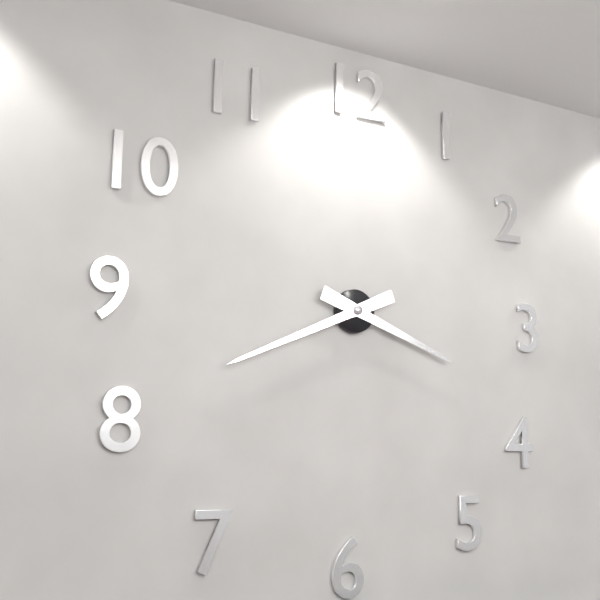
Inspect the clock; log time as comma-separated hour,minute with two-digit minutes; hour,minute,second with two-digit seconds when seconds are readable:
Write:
3,41
